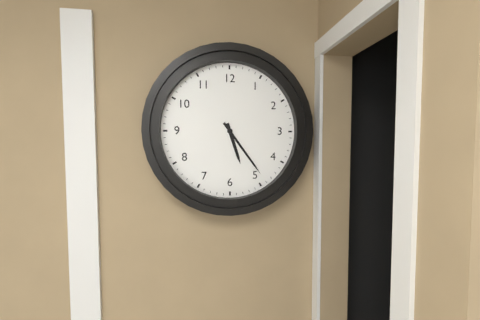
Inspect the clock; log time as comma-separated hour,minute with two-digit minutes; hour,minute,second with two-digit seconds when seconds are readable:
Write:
5,24
